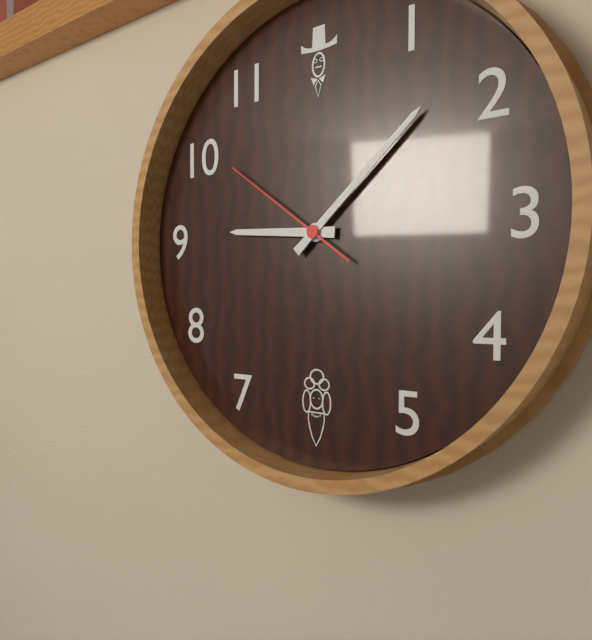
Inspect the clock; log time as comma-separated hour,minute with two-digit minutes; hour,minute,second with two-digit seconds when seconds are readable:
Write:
9,08,51
